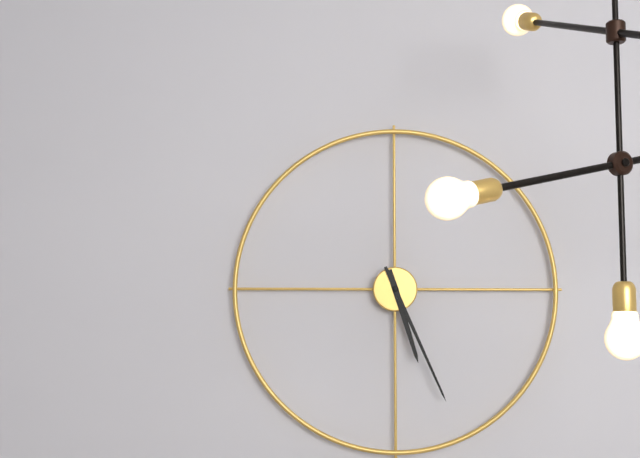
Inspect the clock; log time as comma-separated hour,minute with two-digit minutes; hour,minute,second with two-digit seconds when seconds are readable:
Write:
5,26
